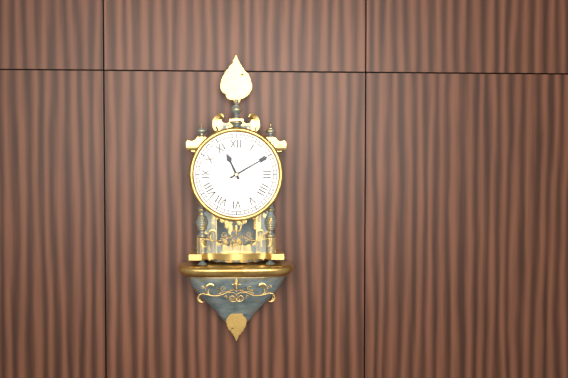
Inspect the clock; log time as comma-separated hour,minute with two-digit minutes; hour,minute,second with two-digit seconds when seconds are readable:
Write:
11,10
